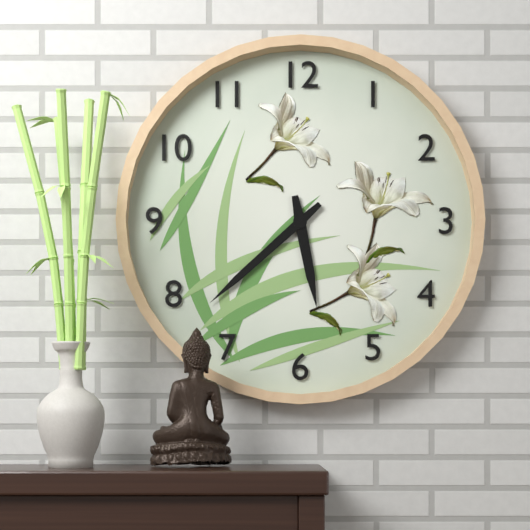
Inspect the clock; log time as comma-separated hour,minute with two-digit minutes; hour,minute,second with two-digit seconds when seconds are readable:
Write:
5,38
